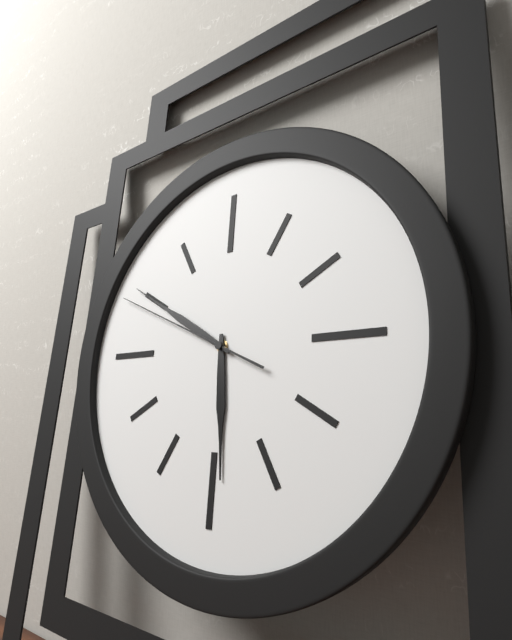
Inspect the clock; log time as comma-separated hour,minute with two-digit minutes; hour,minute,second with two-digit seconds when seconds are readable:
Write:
5,50,49
